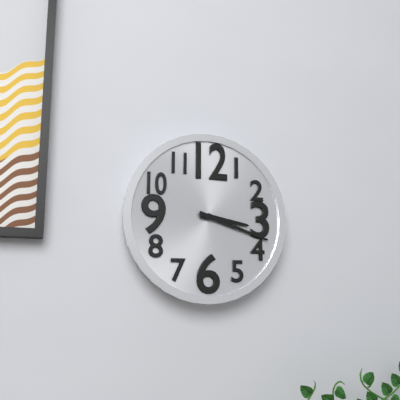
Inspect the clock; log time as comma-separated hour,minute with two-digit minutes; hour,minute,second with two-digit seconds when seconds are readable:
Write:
3,18
